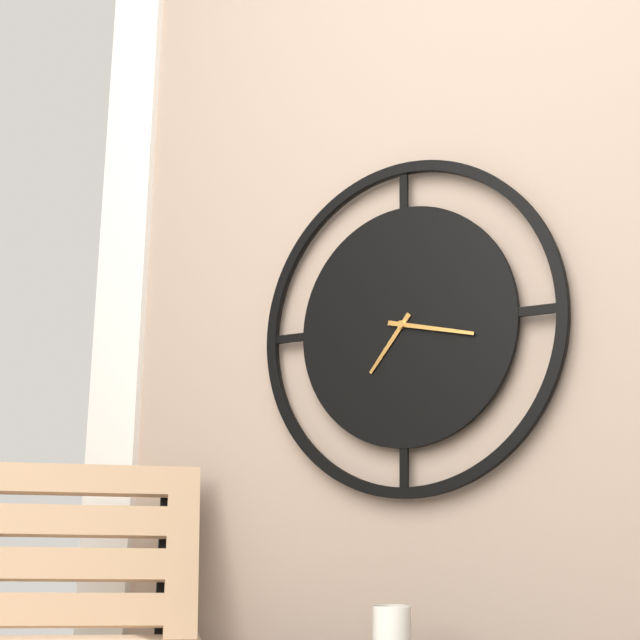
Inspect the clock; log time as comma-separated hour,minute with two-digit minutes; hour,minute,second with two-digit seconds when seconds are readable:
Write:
7,17
